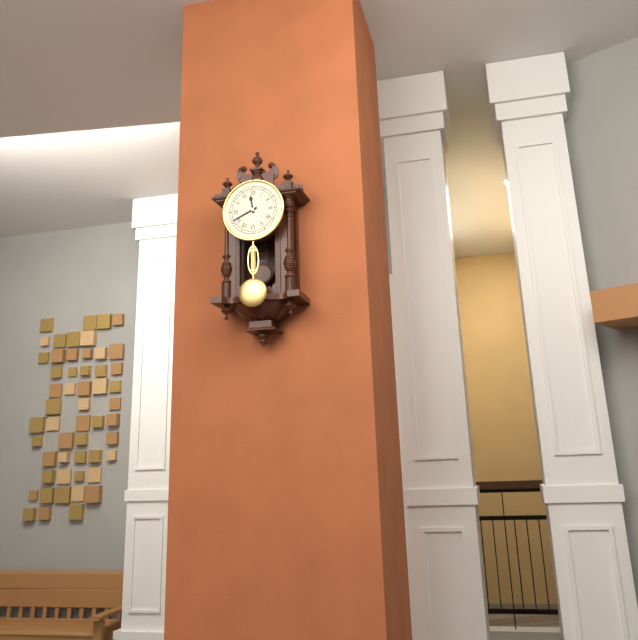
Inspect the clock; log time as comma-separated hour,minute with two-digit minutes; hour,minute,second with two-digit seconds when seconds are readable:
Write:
11,41
